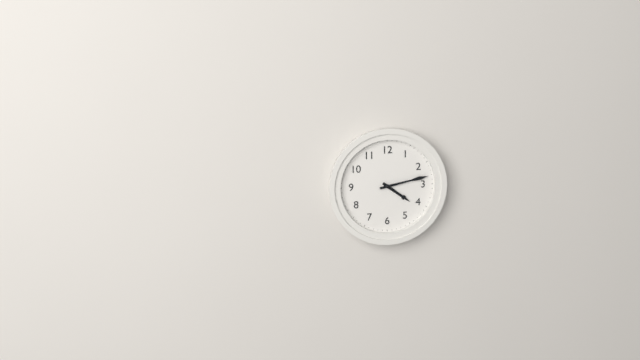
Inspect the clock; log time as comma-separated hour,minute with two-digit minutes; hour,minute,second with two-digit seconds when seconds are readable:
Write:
4,13
